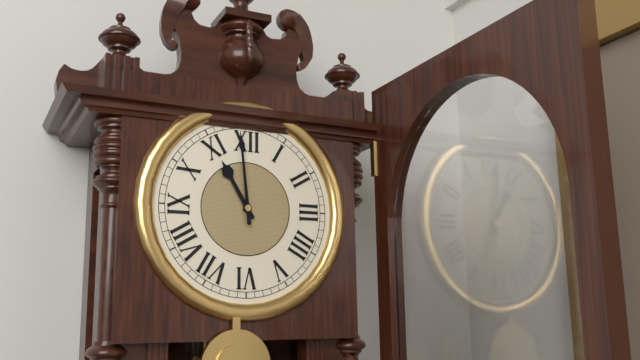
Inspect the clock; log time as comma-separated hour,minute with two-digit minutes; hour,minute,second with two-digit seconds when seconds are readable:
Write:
10,59
